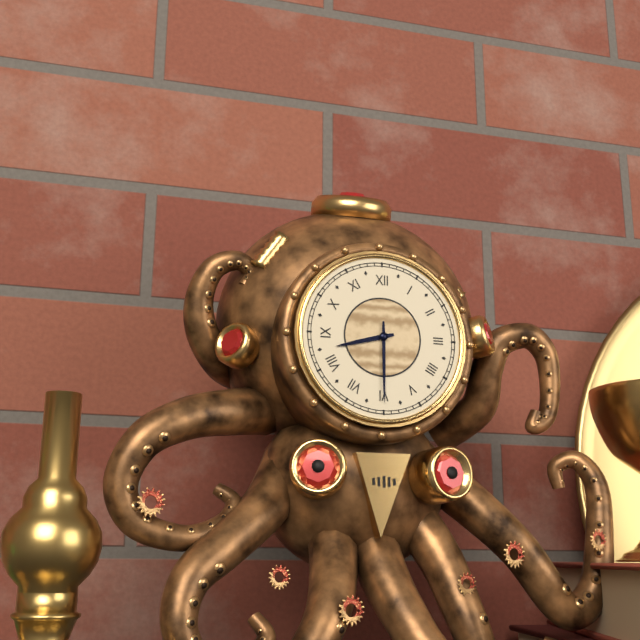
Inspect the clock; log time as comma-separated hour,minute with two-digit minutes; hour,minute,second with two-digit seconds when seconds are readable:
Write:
8,30
